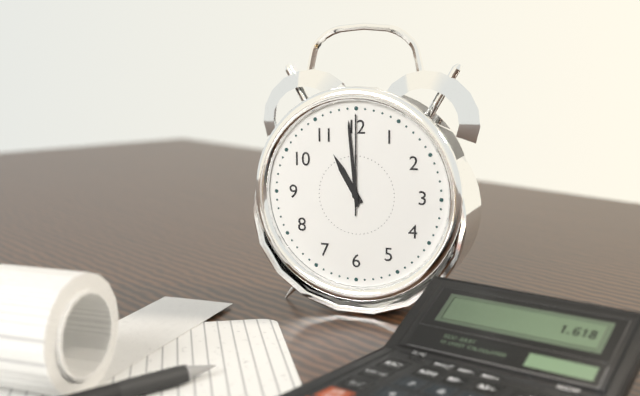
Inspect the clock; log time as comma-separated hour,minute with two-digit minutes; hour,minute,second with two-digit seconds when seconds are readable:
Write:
10,59,00
